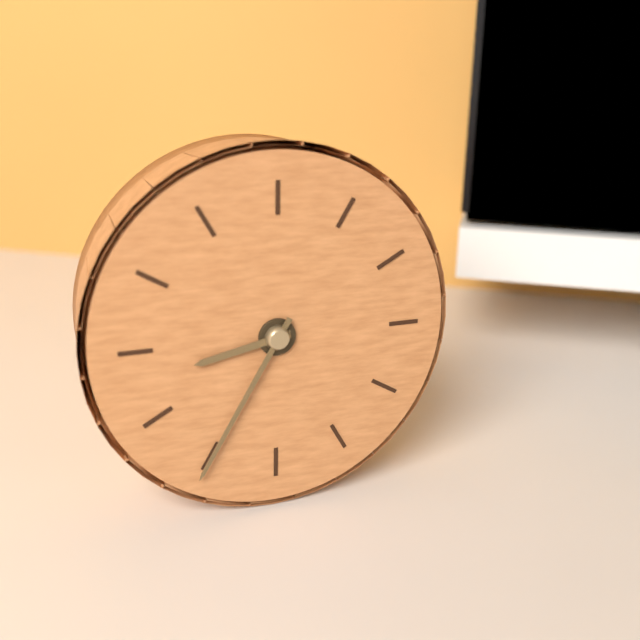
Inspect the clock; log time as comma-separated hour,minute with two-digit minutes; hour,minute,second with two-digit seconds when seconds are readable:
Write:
8,35
